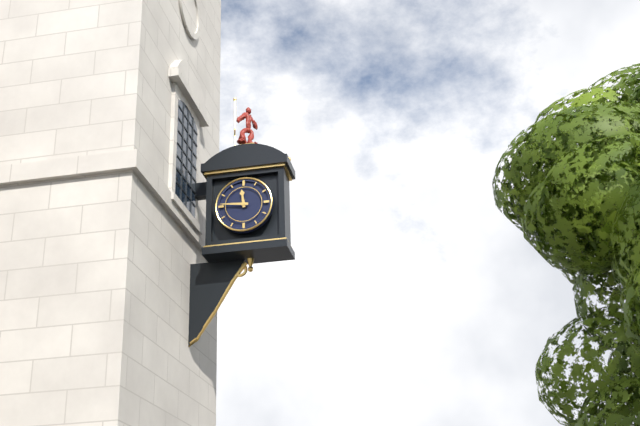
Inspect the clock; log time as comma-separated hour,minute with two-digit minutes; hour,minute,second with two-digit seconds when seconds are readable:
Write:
11,46
